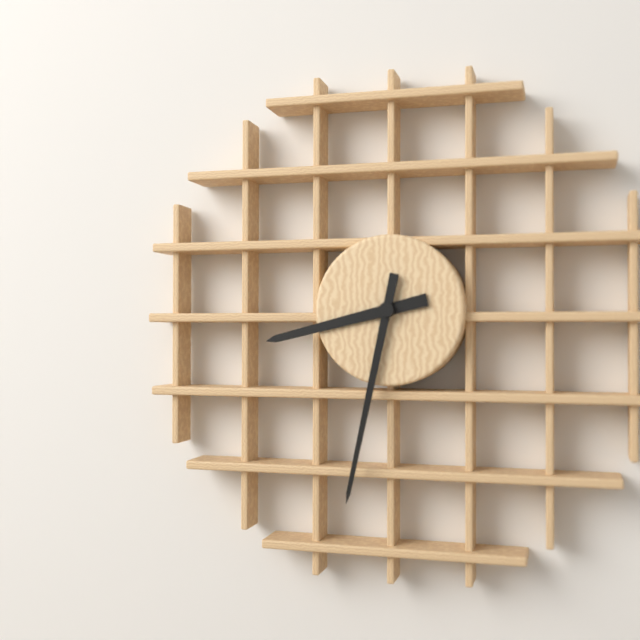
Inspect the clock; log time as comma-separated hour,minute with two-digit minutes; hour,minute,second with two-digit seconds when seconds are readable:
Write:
8,32
